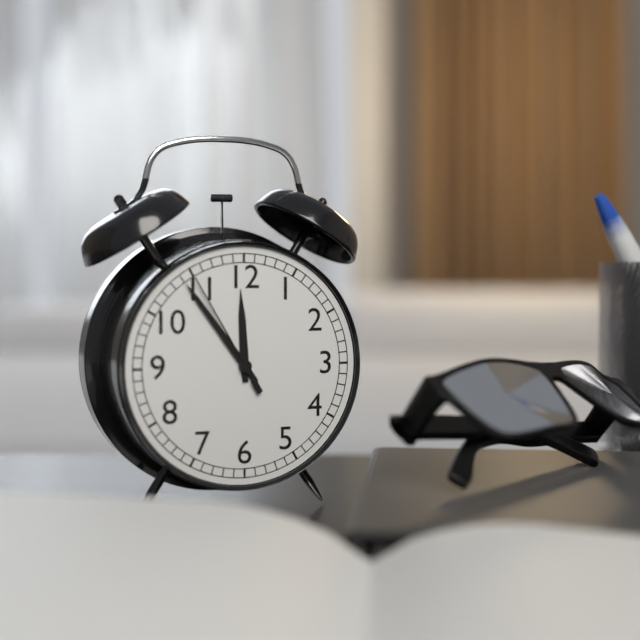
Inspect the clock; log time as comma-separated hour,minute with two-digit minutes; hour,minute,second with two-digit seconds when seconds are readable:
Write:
11,54,55
